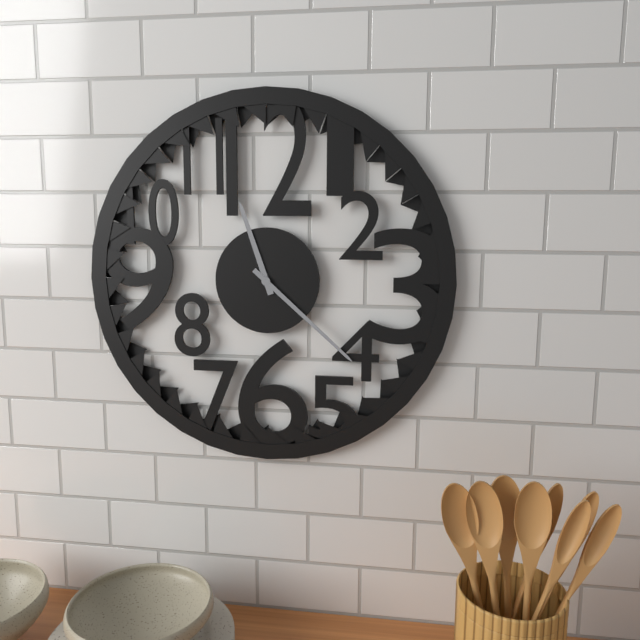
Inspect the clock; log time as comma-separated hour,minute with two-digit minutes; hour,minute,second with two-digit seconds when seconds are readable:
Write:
11,22
